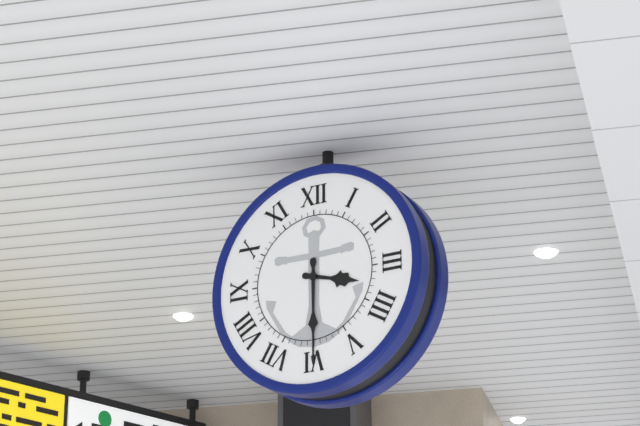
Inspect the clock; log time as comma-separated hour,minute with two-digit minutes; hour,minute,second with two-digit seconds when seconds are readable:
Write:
3,30
